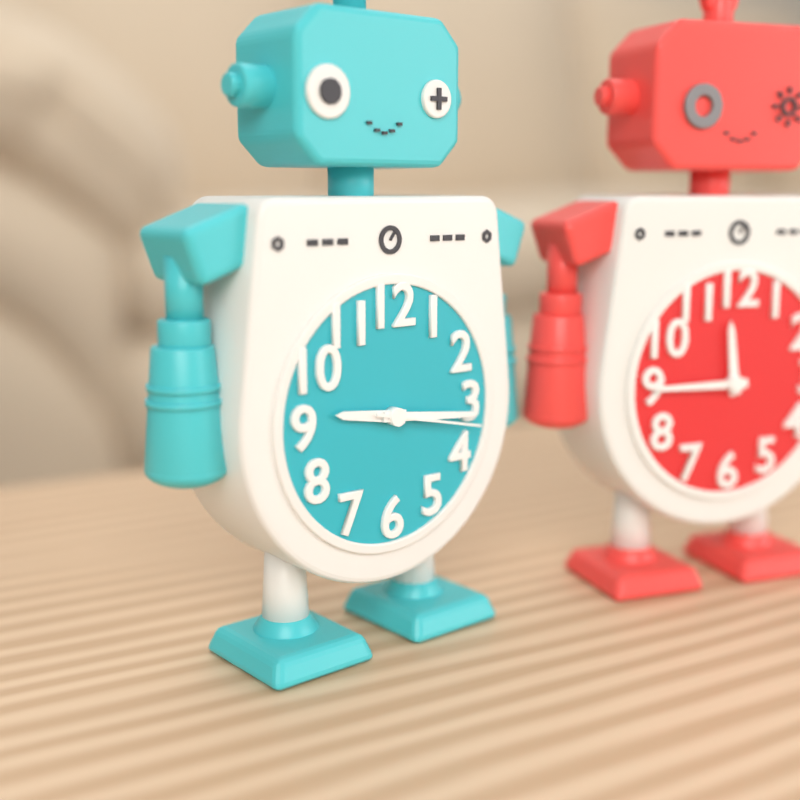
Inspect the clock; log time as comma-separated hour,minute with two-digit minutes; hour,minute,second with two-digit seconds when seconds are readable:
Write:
9,16,17
